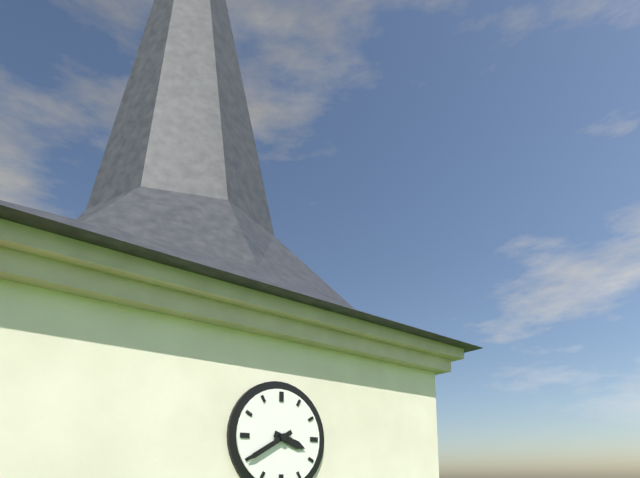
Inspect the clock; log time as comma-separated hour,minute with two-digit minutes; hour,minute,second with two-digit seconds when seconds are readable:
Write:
3,40
